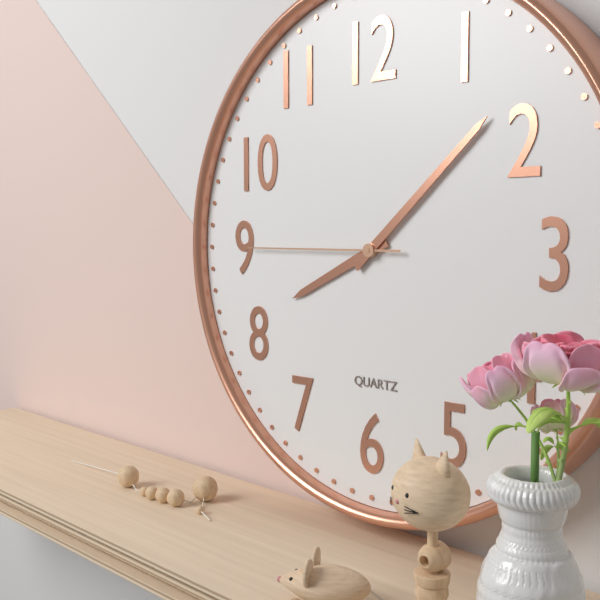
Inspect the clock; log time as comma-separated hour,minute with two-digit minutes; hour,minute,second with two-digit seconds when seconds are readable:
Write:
8,08,45
